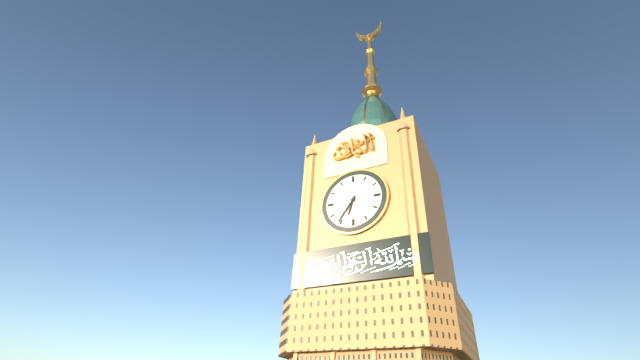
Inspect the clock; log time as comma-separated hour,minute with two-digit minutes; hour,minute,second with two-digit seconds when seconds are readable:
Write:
6,36
